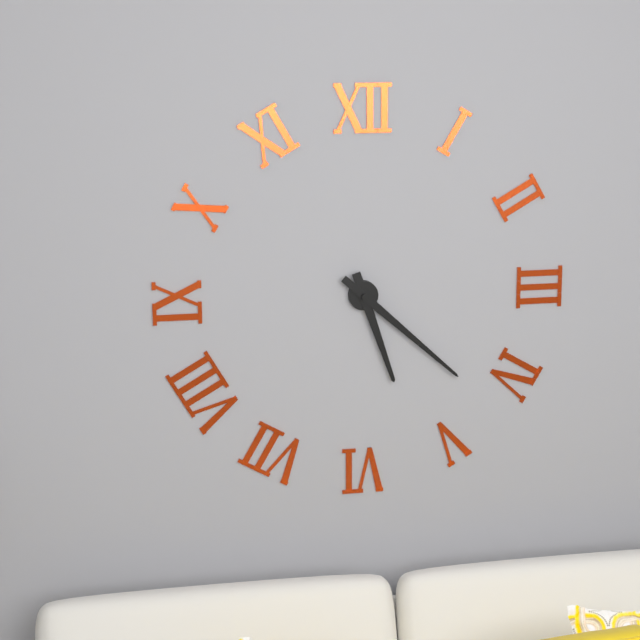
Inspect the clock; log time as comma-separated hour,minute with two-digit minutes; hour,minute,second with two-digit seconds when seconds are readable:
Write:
5,22
